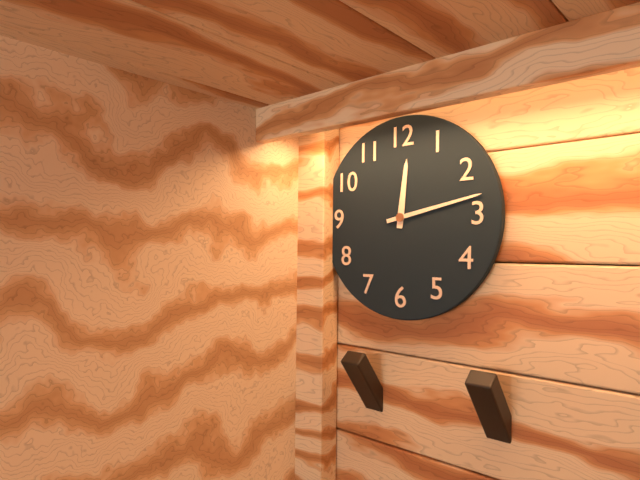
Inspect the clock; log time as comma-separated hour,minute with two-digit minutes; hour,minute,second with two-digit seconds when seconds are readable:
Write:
12,13
